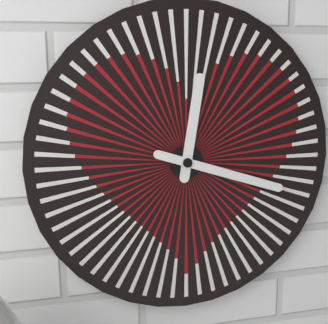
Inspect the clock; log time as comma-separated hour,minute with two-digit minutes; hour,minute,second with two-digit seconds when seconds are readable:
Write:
12,18
